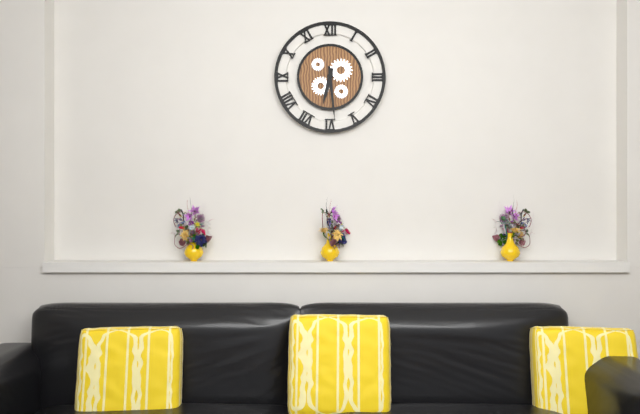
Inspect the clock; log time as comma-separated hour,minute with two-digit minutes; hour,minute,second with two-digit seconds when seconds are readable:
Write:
6,29
